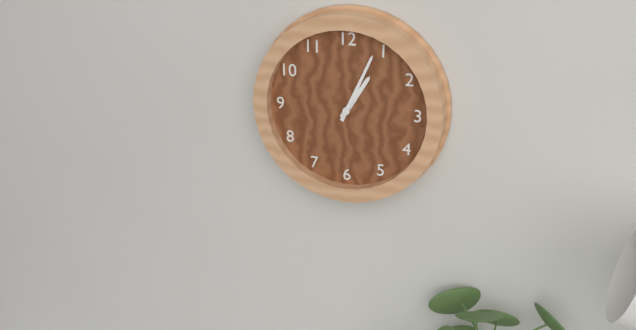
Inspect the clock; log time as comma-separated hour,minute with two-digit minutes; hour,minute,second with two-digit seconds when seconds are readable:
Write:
1,04
